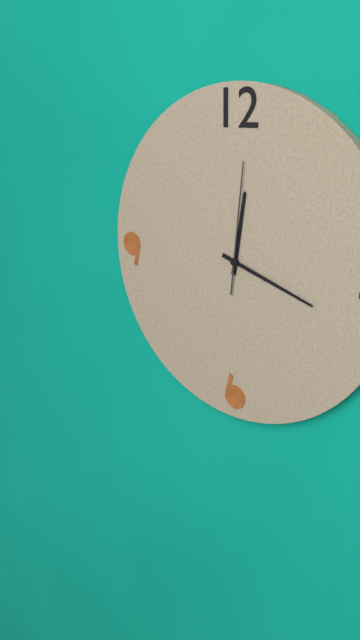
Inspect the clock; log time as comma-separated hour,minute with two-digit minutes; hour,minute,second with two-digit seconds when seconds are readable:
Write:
12,18,01
